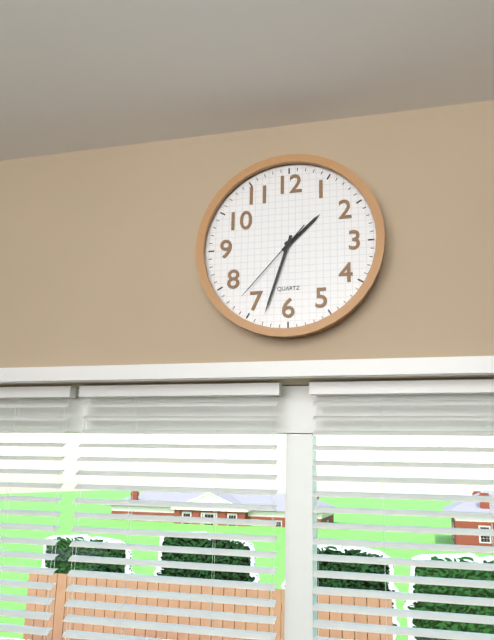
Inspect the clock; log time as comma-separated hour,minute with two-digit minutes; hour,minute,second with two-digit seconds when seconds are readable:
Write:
1,33,37
